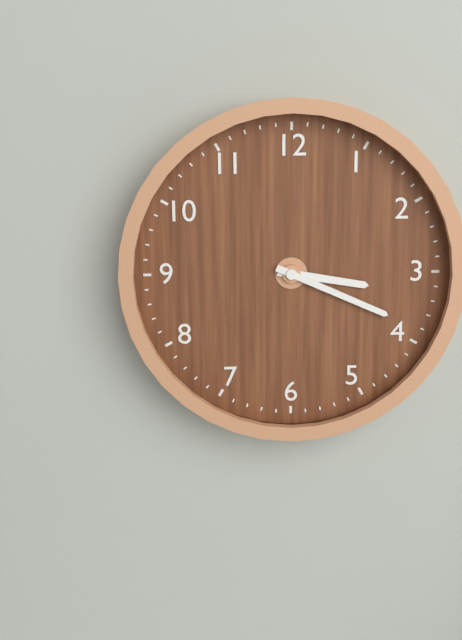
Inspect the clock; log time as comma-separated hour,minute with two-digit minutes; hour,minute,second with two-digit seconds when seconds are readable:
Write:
3,19
